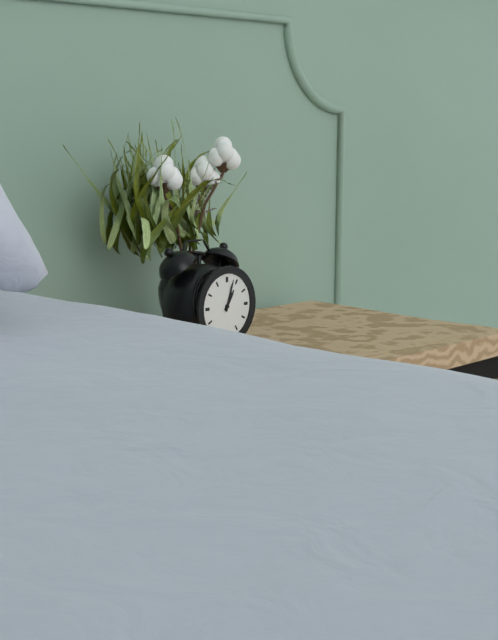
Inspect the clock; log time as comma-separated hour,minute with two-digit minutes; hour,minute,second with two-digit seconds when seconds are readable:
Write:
1,03
